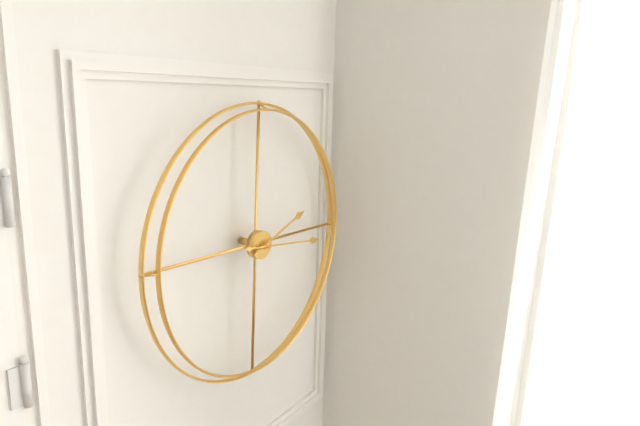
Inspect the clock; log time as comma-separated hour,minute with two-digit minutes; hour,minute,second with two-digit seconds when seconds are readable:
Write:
2,16
